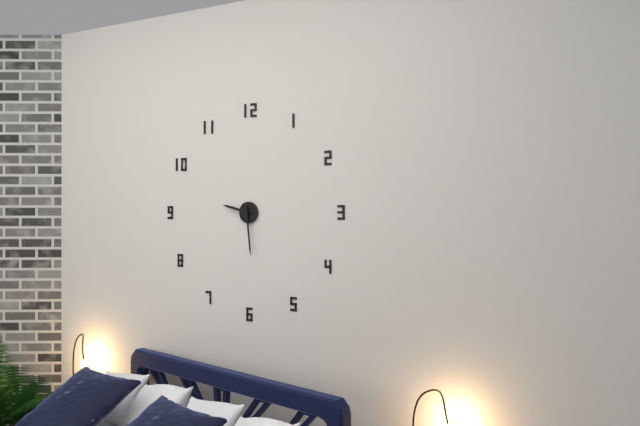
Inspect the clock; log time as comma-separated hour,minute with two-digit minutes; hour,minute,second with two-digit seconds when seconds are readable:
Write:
9,29
